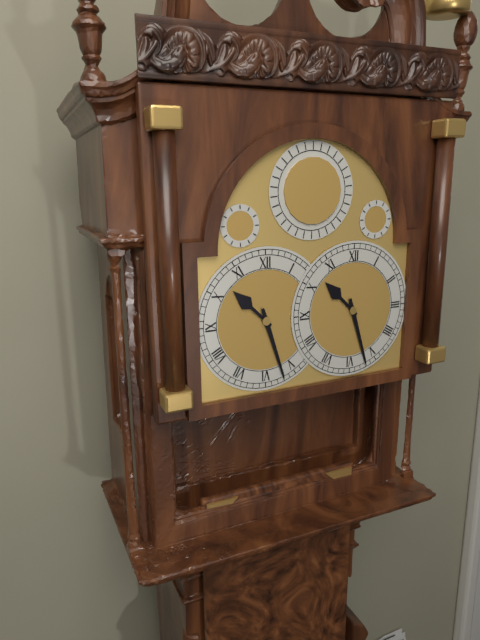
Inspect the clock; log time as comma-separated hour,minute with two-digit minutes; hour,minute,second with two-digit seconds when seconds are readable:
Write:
10,27
